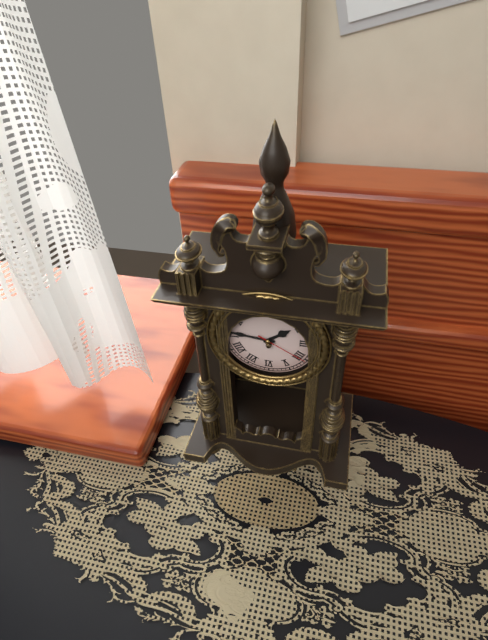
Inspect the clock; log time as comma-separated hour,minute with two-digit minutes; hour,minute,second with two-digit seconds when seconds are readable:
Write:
1,46,20
